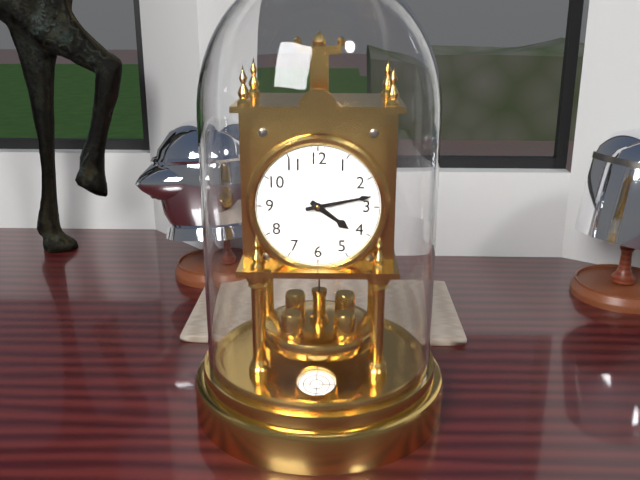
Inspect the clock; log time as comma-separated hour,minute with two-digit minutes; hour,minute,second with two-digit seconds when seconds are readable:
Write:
4,13
